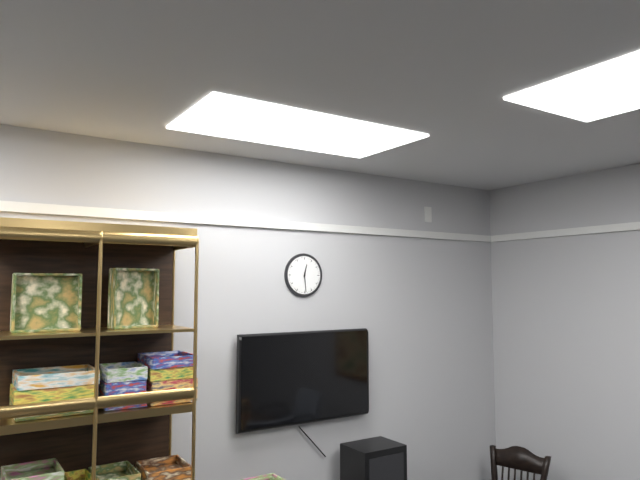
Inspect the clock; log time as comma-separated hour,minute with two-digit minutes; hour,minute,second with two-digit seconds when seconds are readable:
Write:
12,29
